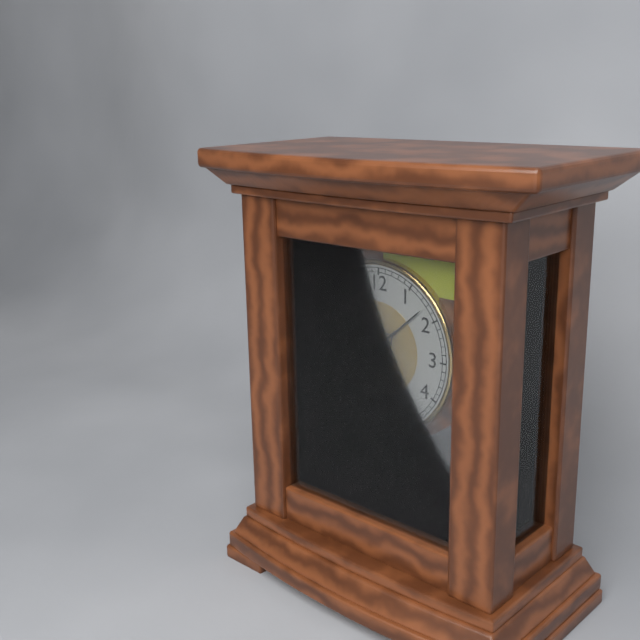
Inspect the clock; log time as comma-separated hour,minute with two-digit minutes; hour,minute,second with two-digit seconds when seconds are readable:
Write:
10,08
